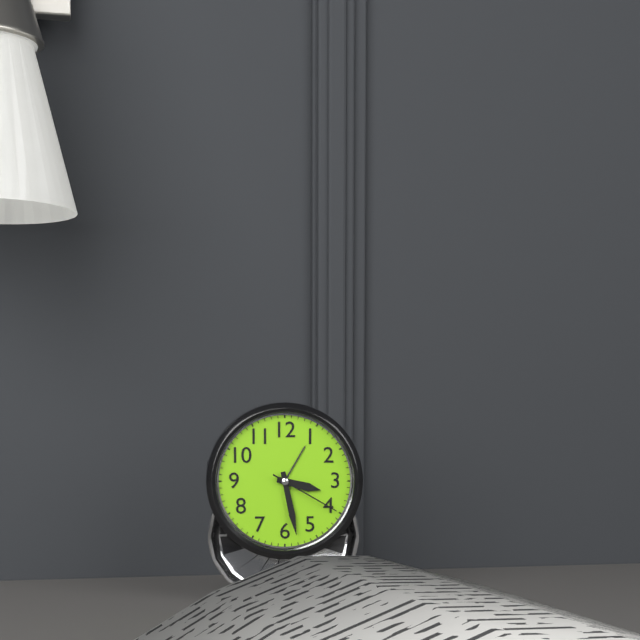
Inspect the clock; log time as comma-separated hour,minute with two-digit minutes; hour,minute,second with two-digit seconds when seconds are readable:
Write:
3,28,20
